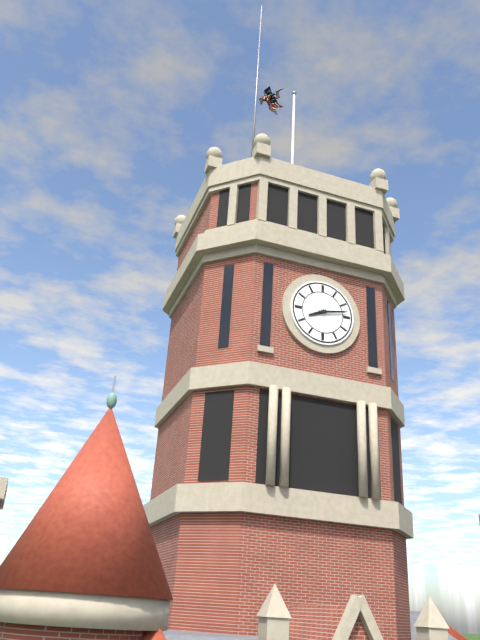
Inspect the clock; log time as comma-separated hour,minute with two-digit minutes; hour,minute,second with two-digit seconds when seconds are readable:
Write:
8,13
